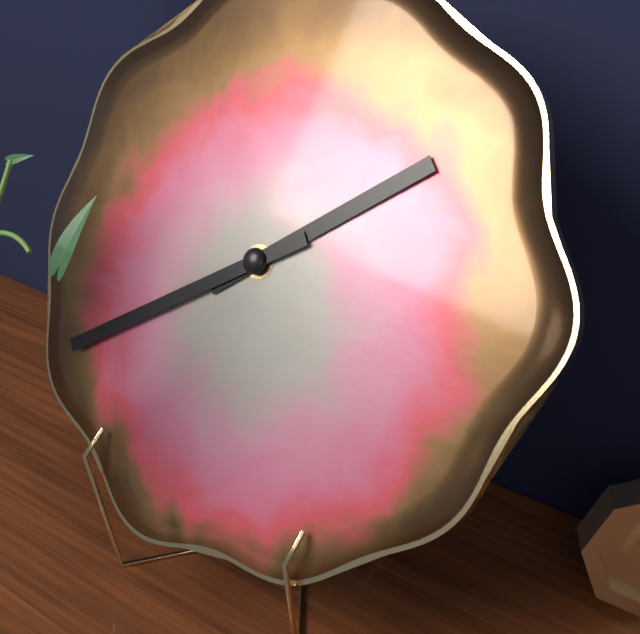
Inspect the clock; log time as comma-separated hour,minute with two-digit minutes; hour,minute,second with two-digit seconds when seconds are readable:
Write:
1,39
